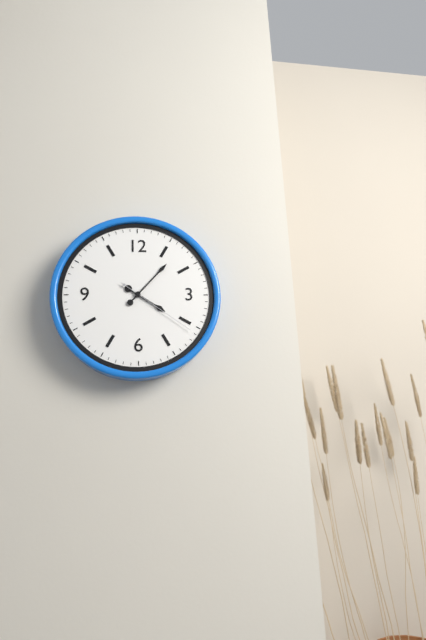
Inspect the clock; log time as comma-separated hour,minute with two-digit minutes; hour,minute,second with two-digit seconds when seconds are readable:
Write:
4,07,21
